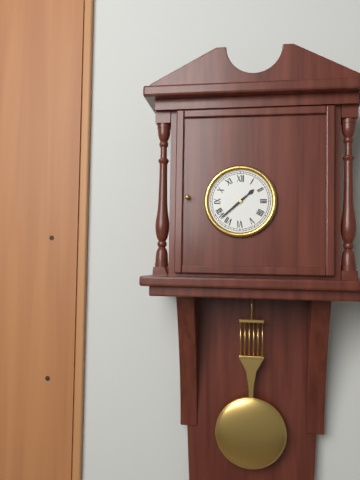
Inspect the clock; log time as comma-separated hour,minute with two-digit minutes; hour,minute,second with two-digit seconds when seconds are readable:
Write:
1,38
